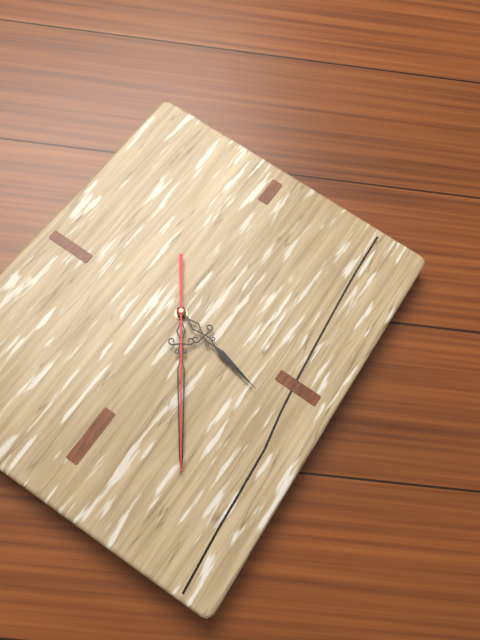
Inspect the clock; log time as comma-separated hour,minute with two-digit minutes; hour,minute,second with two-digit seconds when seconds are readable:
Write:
3,24,24
